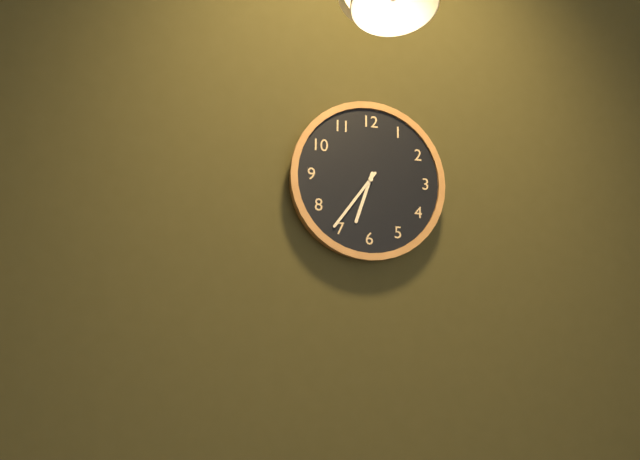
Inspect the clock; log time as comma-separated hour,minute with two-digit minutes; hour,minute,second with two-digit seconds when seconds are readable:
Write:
6,36
